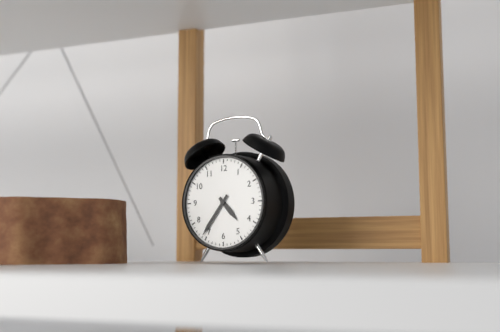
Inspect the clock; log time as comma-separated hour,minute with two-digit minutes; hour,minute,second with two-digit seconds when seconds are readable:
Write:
4,36
